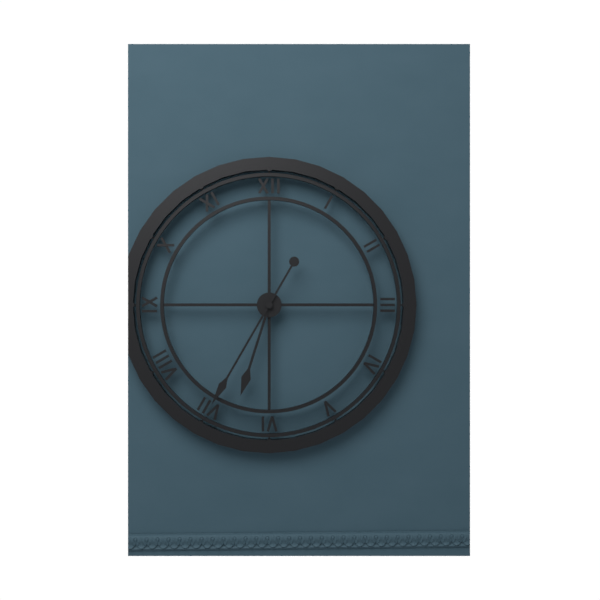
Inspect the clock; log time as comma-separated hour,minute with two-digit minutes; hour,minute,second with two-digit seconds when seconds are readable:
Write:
6,35
